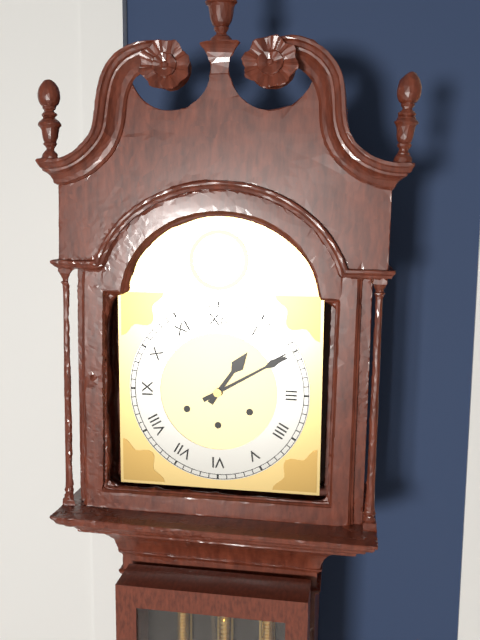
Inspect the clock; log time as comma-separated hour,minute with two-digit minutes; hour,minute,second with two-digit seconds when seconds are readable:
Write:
1,10
